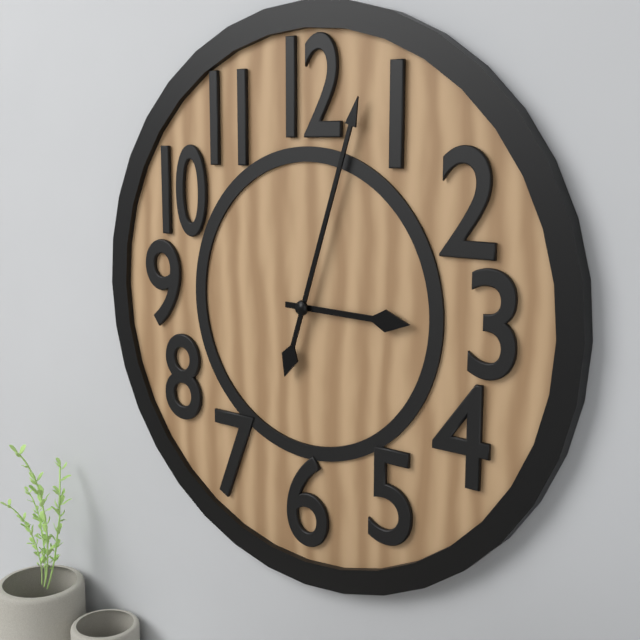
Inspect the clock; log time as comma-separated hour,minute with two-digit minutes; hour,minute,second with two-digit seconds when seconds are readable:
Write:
3,03
